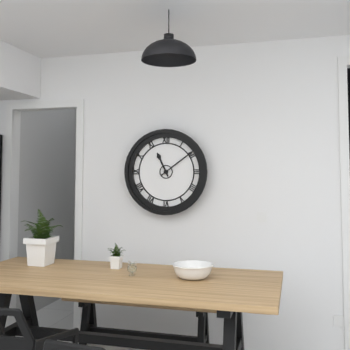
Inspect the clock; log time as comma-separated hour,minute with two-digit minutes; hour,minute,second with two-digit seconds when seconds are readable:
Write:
11,09
